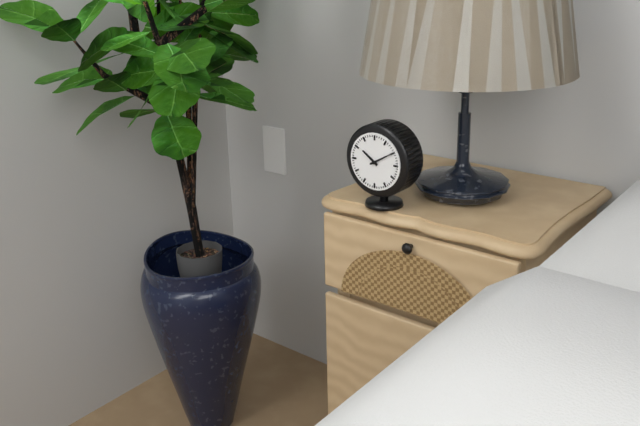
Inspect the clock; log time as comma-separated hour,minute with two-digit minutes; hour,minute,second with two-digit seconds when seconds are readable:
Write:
10,10
